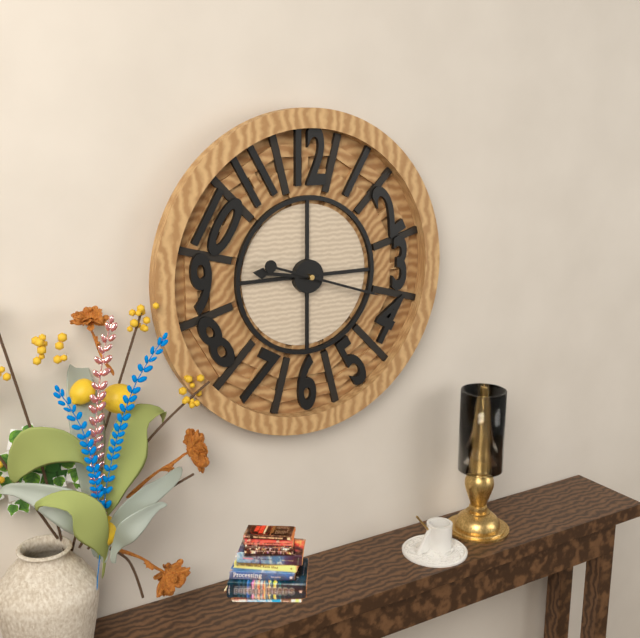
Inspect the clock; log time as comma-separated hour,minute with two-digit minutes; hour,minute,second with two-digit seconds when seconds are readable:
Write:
9,18
